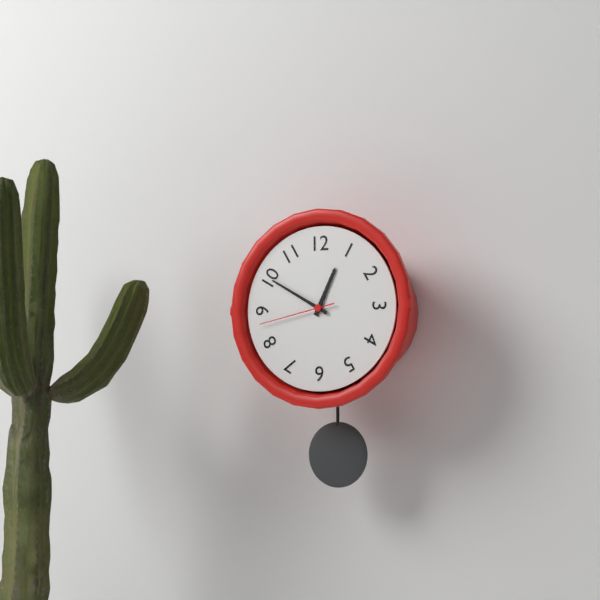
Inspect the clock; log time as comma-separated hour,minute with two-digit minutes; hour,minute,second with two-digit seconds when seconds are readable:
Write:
12,50,43
